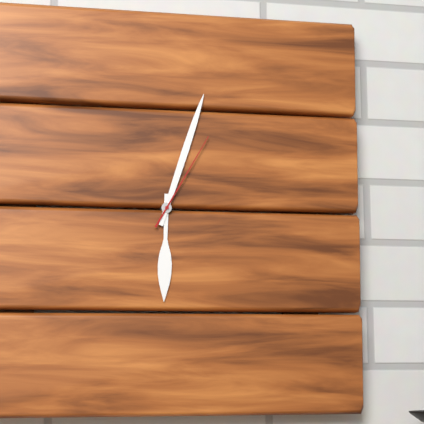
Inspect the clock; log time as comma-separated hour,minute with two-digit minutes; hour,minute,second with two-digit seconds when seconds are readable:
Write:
6,03,05
